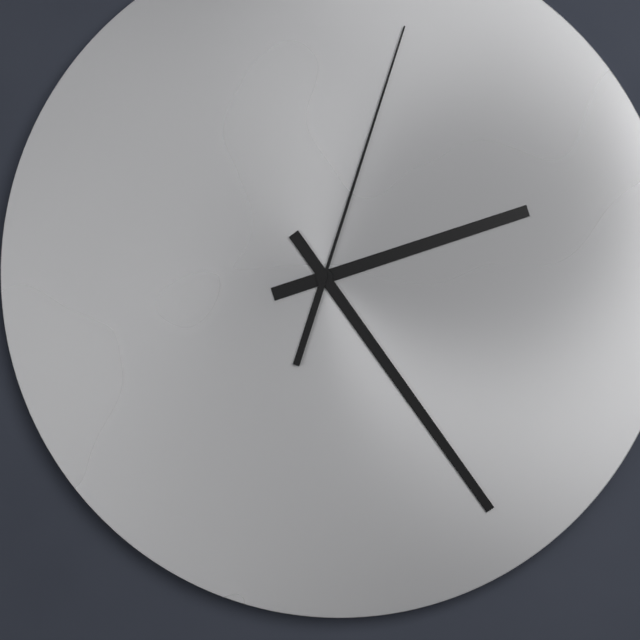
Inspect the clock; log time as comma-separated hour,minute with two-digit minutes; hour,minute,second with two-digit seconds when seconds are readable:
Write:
2,24,03
